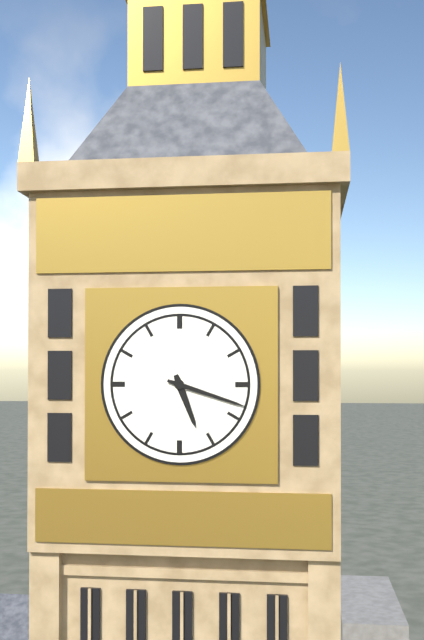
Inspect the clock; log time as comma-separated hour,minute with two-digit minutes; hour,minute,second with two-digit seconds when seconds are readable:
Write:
5,18
